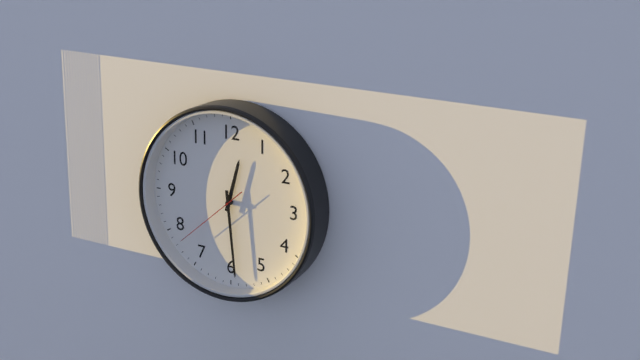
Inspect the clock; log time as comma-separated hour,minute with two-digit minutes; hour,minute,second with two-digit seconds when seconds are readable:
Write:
12,29,38
